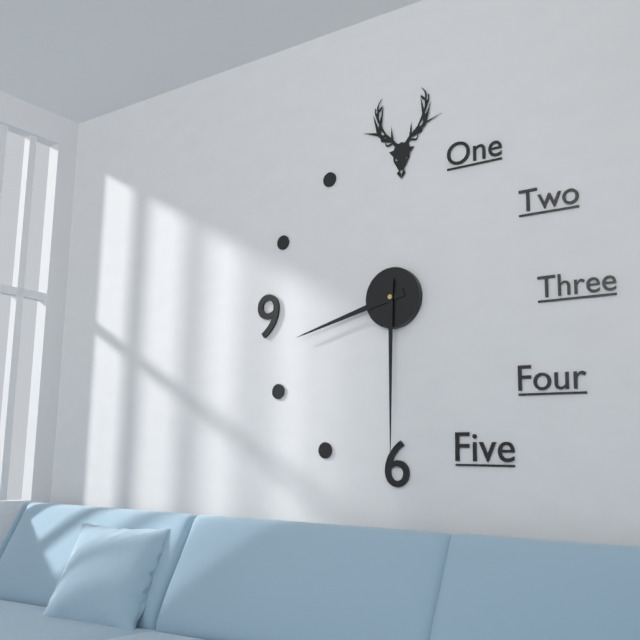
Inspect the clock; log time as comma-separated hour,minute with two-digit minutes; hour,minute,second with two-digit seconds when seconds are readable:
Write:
8,30
